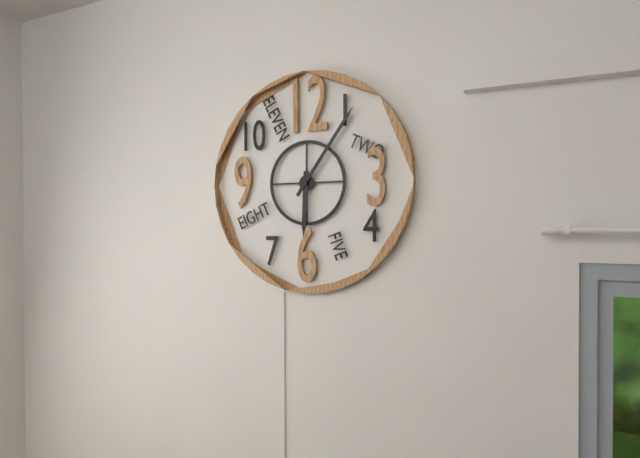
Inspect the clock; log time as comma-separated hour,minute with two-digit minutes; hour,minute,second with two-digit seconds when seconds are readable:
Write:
6,06
